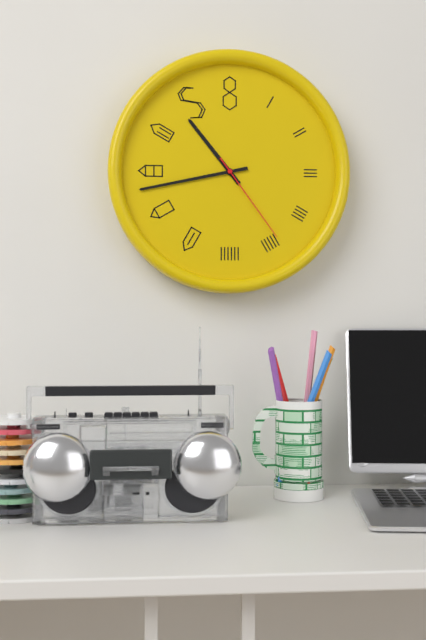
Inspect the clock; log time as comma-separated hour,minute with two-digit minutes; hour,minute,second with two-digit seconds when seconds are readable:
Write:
10,43,24
